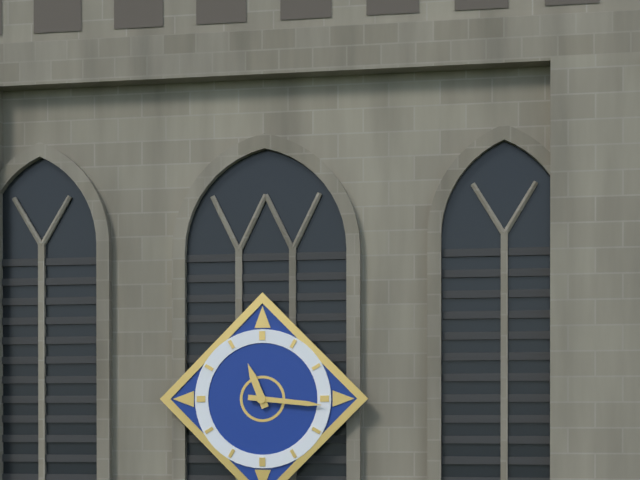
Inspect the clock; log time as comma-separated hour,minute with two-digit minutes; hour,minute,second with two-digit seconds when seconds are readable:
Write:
11,16
